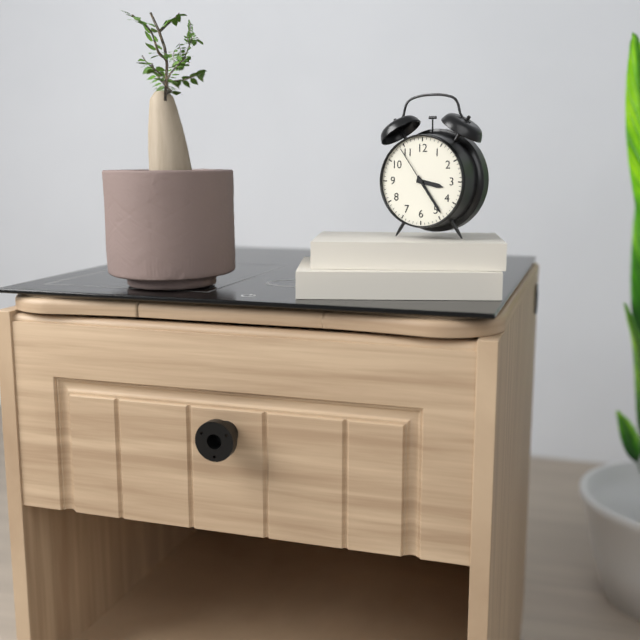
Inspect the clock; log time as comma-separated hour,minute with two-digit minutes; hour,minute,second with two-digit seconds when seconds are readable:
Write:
3,24
